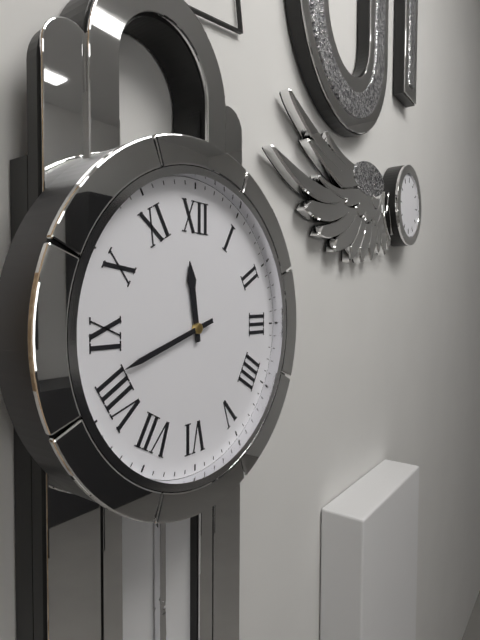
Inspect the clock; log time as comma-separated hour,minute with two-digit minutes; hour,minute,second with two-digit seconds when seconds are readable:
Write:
11,42
